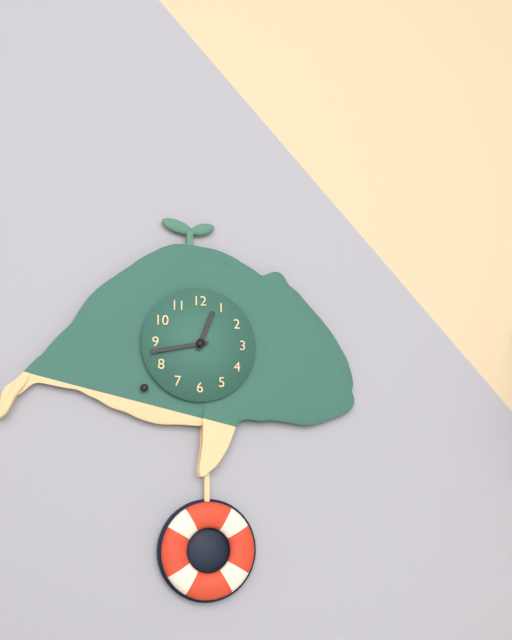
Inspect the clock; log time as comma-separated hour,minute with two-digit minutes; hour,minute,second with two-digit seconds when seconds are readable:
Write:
12,43
